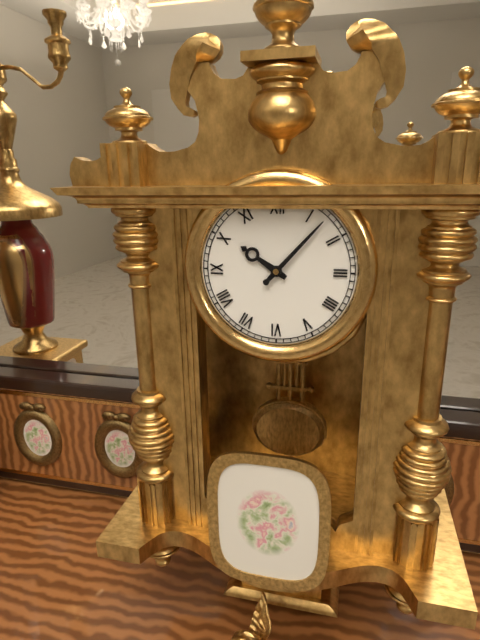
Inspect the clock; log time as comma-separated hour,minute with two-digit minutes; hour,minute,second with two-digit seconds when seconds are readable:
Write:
10,07
